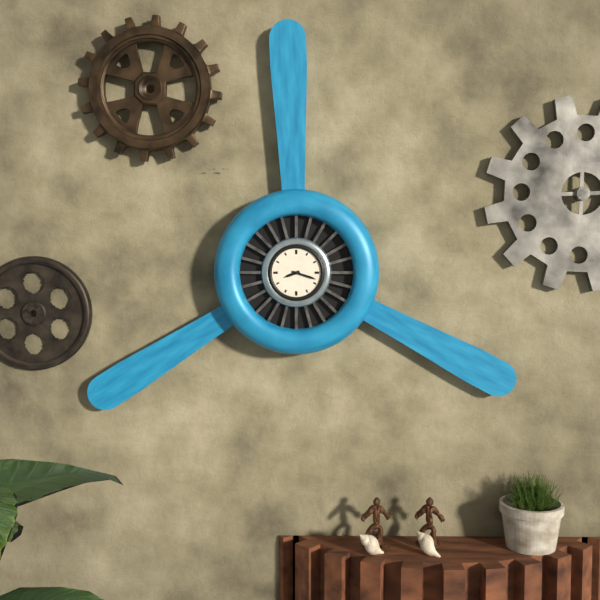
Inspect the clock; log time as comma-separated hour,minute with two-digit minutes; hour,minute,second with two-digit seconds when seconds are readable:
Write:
8,18
